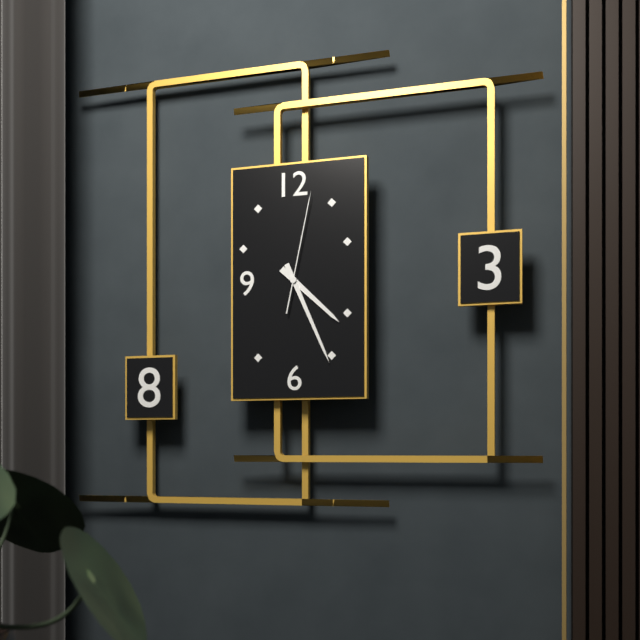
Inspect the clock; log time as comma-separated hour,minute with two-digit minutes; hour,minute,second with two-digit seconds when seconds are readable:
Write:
4,26,02
